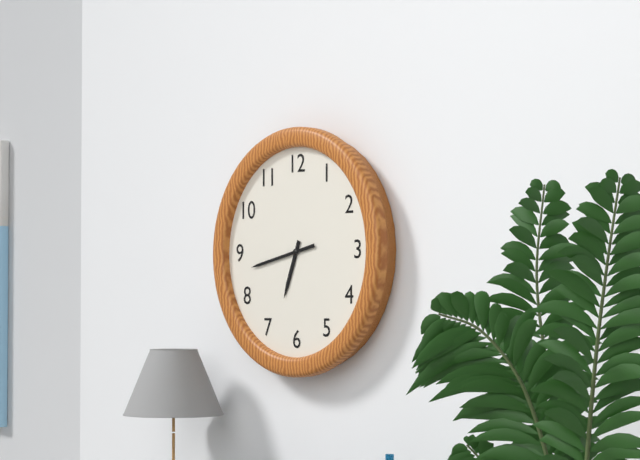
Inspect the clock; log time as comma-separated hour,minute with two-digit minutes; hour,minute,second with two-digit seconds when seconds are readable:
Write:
6,43
